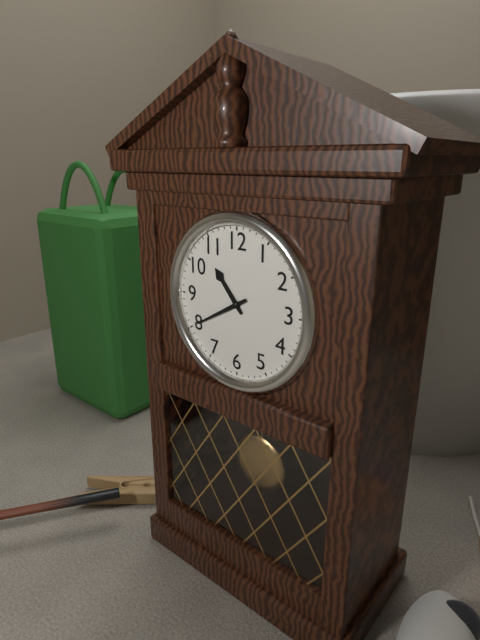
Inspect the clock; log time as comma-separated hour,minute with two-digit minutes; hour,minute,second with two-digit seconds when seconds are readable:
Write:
10,40
